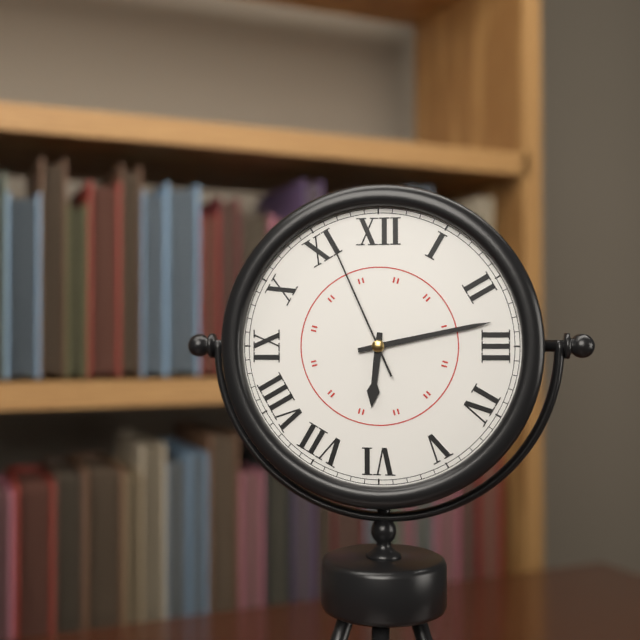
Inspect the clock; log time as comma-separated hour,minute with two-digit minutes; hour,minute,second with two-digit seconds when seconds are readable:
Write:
6,13,56
